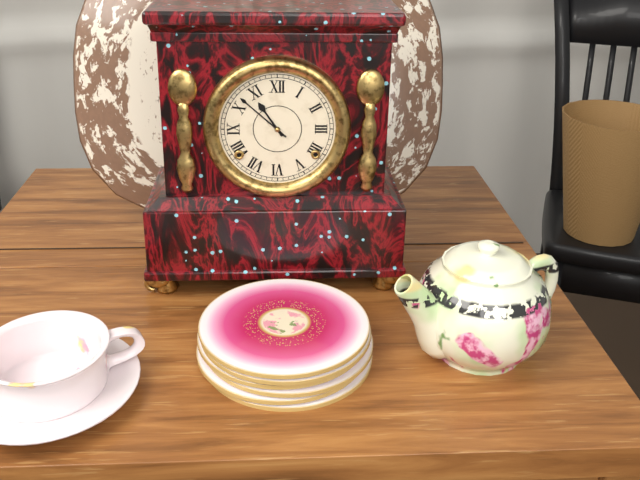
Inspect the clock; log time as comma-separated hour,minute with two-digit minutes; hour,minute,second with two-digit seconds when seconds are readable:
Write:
10,52
